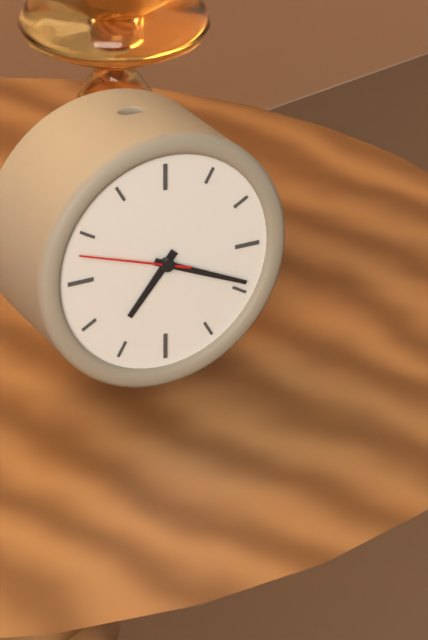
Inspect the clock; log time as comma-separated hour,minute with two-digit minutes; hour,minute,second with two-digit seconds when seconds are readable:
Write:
7,19,48
